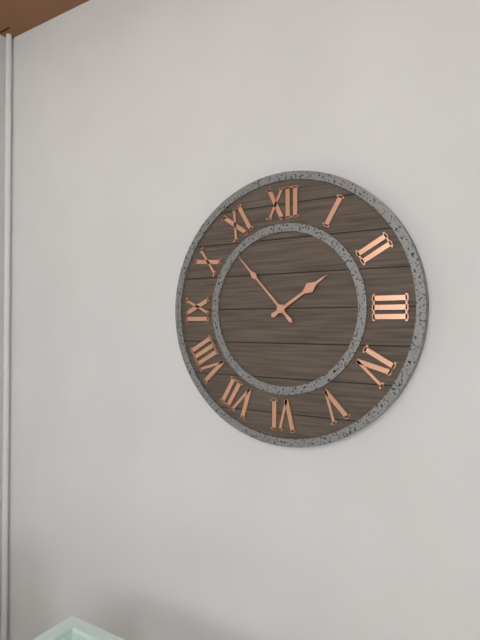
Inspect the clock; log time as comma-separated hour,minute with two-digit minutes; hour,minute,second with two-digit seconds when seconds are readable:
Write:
1,53
